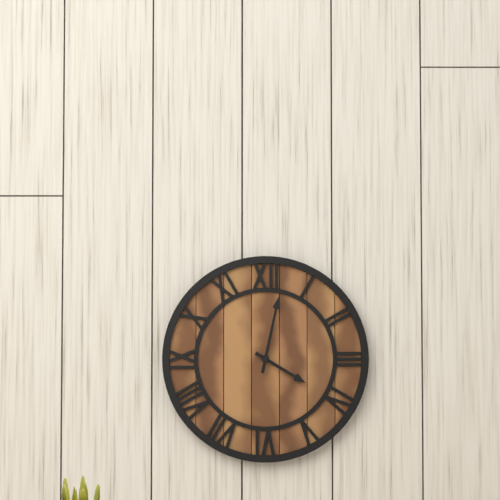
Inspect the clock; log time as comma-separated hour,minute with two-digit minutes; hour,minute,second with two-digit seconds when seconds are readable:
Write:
4,02
